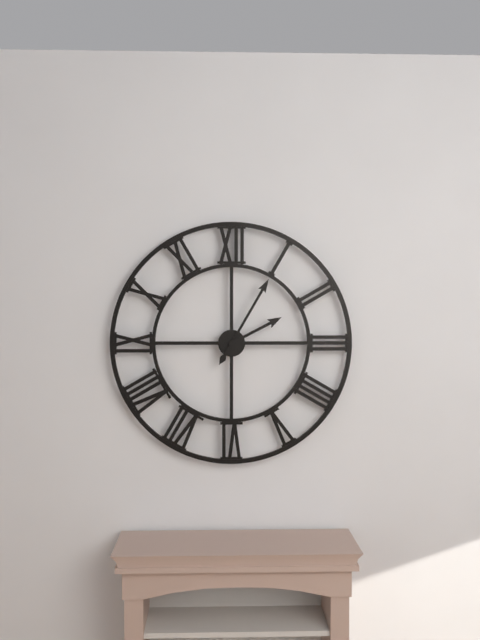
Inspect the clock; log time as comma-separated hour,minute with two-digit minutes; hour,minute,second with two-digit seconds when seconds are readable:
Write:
2,05
